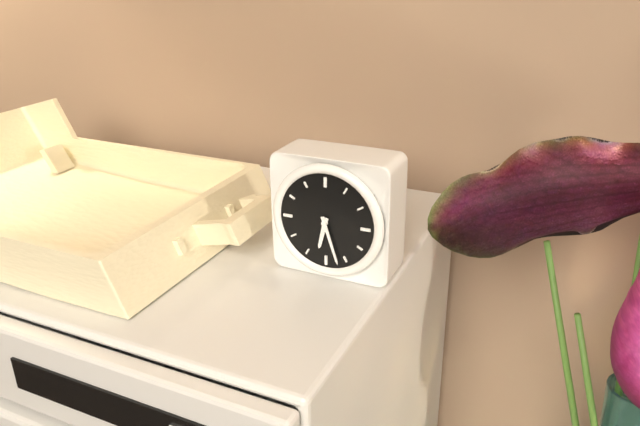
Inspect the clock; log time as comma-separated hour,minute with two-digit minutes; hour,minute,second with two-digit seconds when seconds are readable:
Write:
6,27
